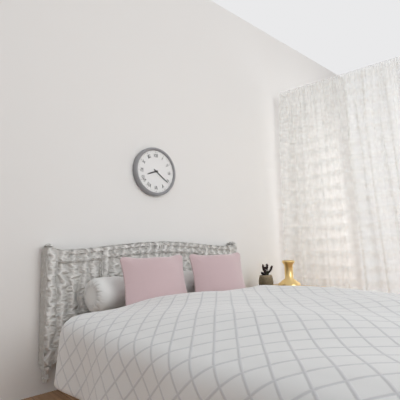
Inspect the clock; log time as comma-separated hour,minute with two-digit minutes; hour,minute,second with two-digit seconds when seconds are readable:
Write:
8,21
